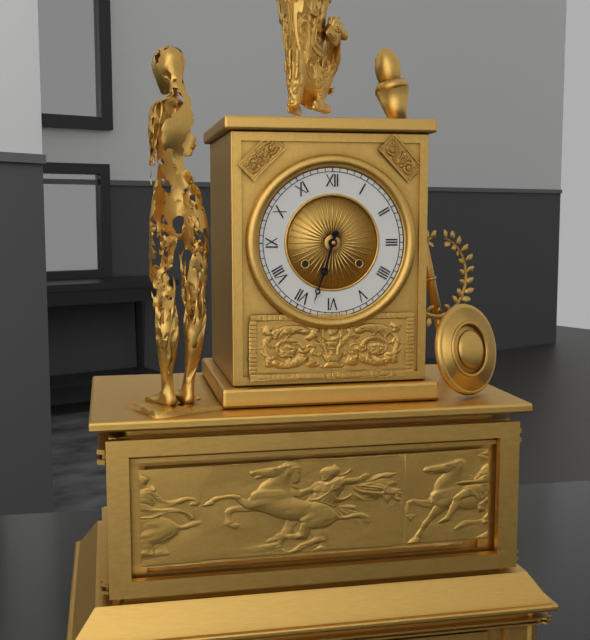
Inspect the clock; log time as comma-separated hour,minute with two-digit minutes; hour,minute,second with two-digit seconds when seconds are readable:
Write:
6,33
